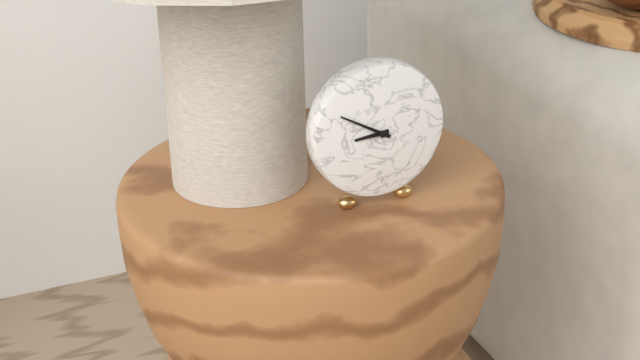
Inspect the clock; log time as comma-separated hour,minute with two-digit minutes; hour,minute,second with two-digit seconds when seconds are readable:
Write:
8,50
